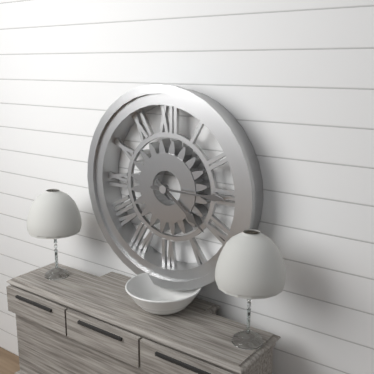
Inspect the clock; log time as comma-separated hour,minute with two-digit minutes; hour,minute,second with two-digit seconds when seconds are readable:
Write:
4,15
